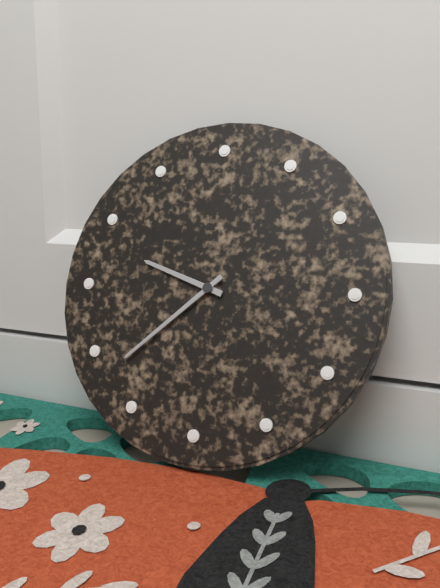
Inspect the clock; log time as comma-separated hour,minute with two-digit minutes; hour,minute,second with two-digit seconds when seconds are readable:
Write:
9,38
